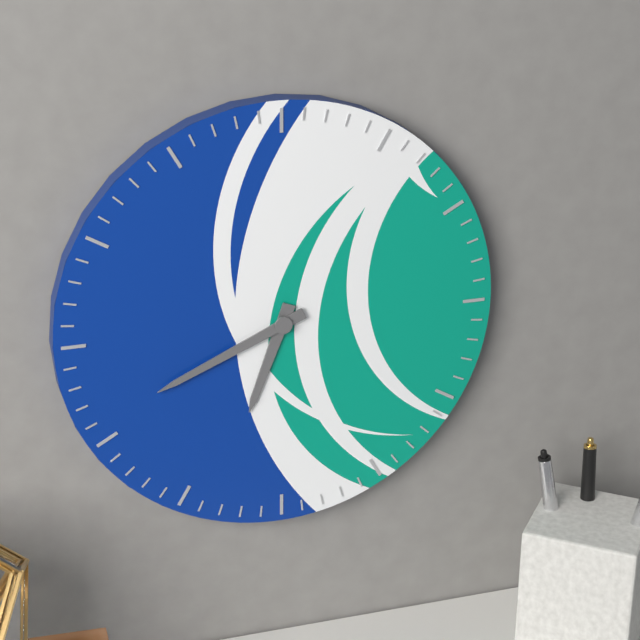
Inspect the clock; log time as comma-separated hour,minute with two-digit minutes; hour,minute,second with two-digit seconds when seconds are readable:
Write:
6,41
